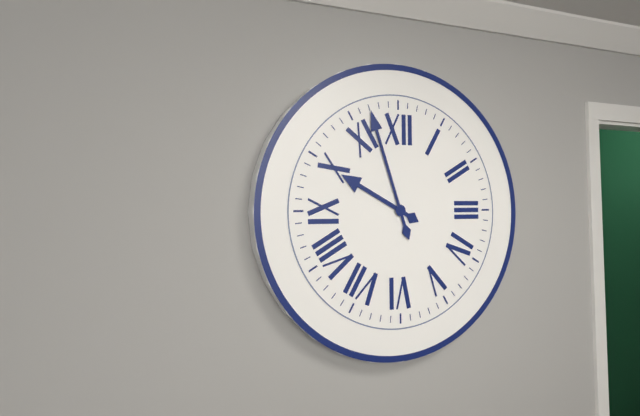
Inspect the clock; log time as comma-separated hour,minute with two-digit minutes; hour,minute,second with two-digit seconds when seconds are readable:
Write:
9,57
